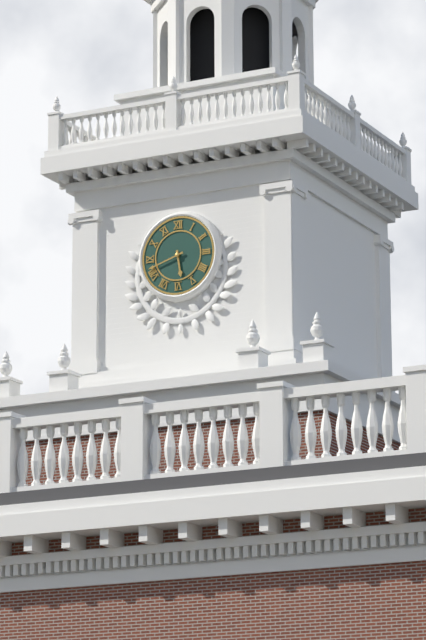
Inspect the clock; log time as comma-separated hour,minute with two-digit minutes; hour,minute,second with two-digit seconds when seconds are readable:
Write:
5,42
